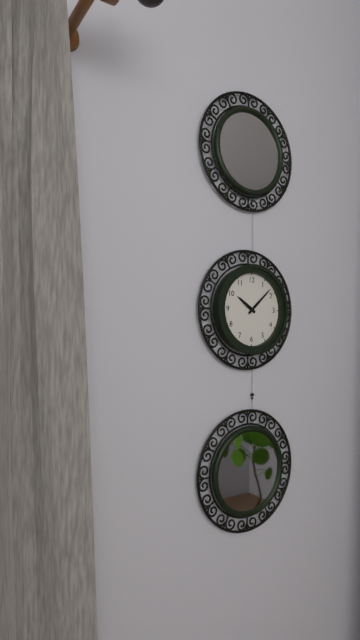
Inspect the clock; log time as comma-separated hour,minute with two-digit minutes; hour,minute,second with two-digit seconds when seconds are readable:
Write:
10,08
